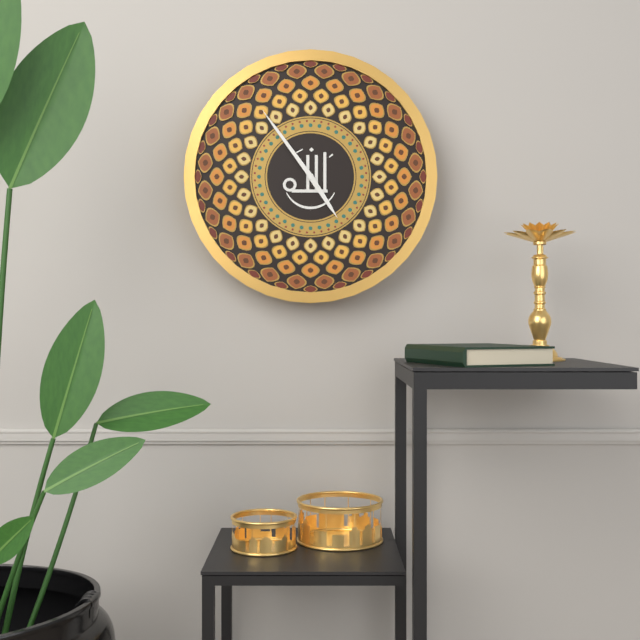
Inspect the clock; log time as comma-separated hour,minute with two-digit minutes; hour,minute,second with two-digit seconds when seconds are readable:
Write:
4,54
